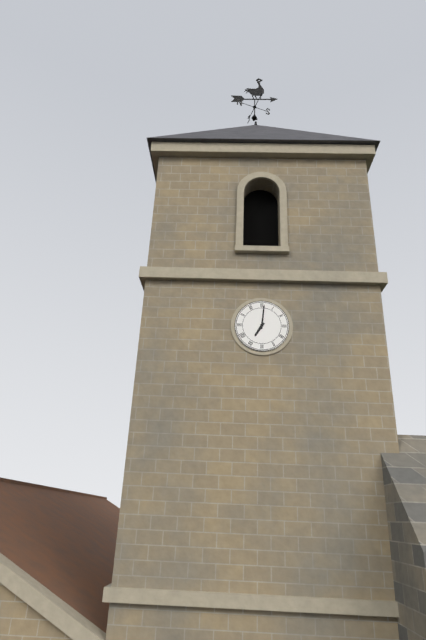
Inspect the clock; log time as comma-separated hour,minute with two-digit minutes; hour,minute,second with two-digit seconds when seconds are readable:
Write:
7,01
